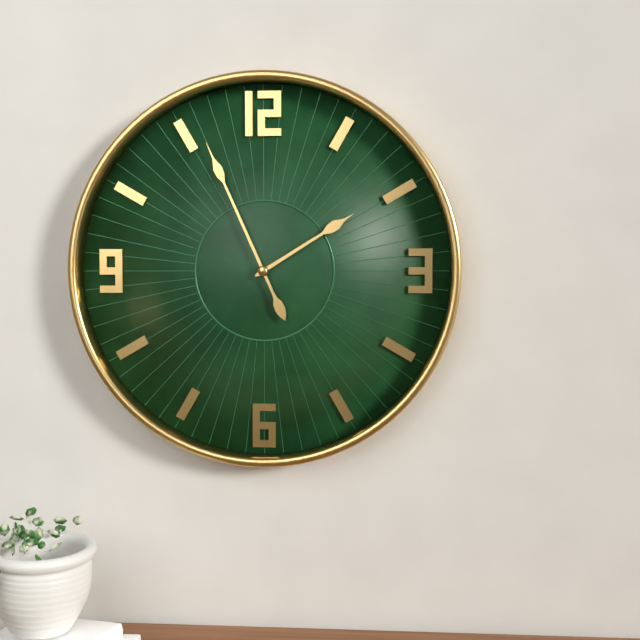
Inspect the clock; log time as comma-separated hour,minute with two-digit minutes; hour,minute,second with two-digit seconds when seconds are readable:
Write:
1,56
